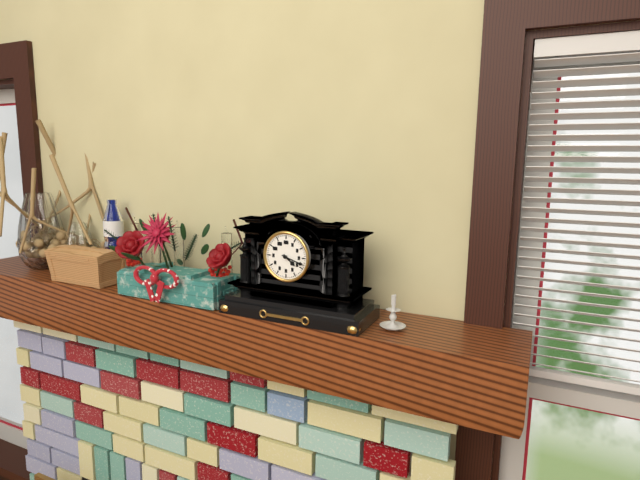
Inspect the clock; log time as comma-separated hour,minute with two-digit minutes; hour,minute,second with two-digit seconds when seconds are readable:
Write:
4,18
